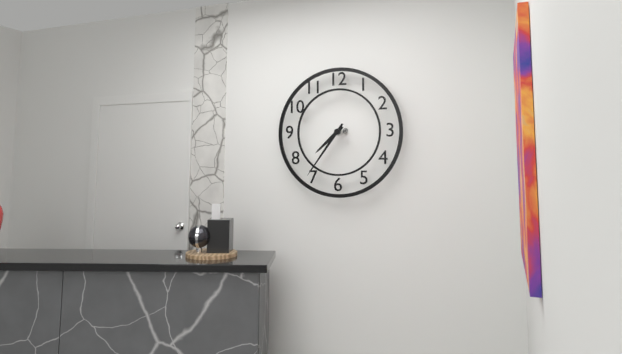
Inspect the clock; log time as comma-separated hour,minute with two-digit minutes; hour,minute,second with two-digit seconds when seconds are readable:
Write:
7,36
